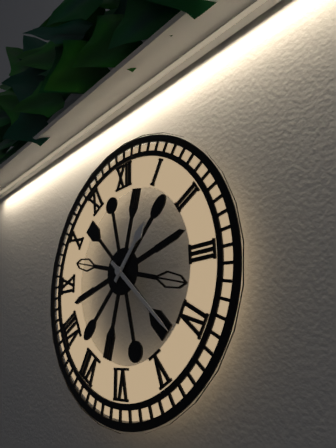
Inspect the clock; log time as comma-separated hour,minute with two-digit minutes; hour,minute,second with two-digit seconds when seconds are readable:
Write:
1,22
